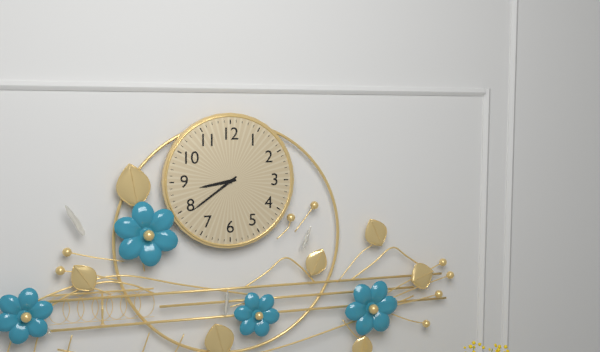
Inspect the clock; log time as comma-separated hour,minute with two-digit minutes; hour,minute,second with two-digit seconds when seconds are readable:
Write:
8,39
